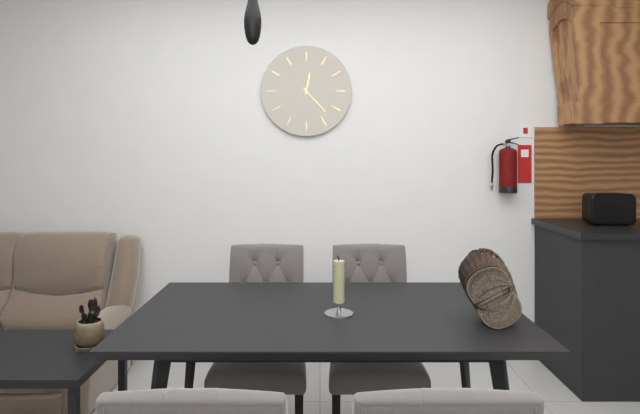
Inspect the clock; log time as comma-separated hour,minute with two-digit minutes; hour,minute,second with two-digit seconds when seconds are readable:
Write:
12,23
